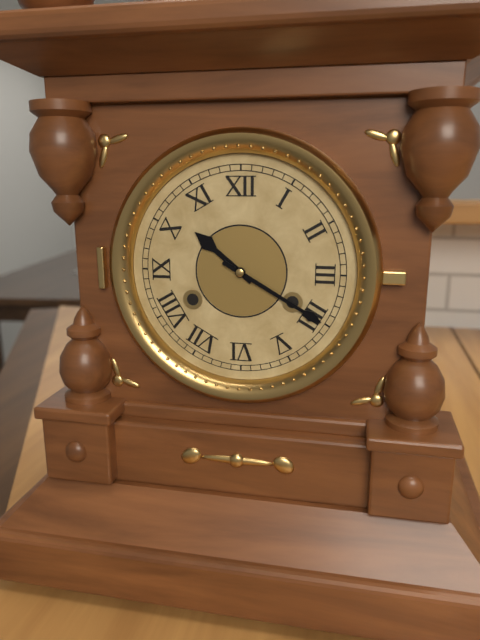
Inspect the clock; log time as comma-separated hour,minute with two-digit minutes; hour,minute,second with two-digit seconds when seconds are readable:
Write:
10,20
